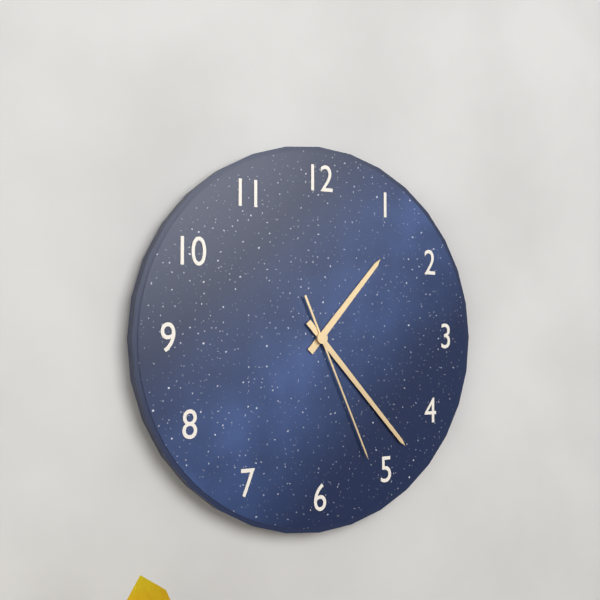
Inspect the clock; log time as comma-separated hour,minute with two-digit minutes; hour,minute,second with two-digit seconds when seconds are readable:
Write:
1,23,26
